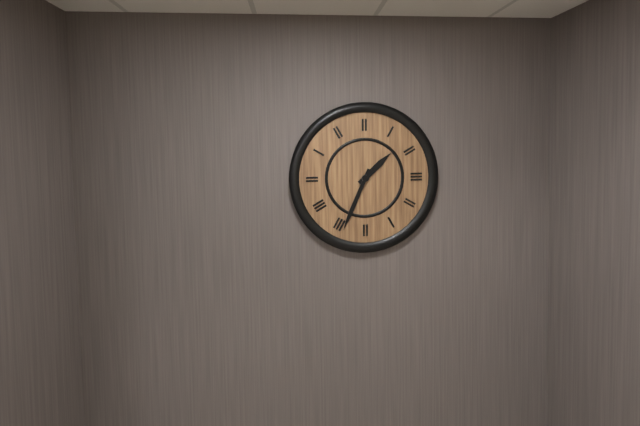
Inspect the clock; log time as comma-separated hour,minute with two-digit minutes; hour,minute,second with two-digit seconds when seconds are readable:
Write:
1,34
